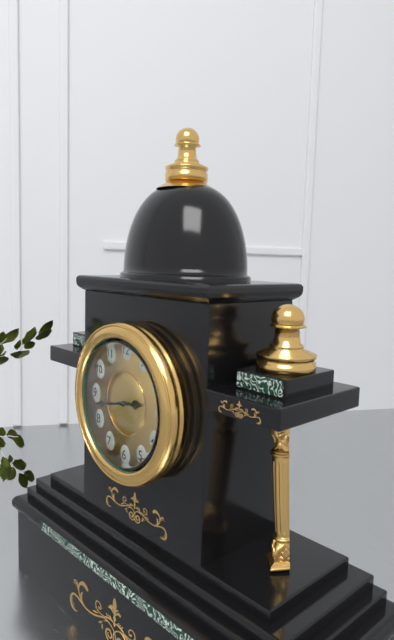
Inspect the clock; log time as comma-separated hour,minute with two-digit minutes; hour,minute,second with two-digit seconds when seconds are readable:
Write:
2,43
